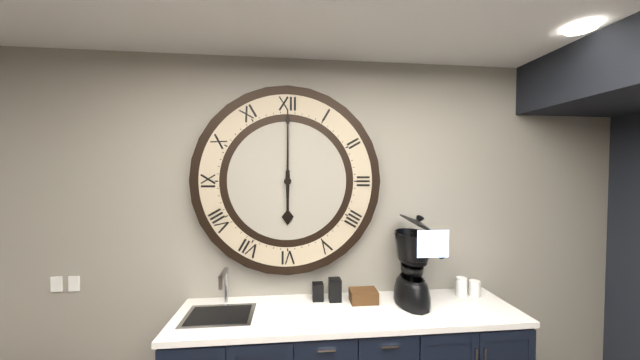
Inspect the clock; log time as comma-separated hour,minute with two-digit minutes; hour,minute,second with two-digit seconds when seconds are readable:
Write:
6,00
